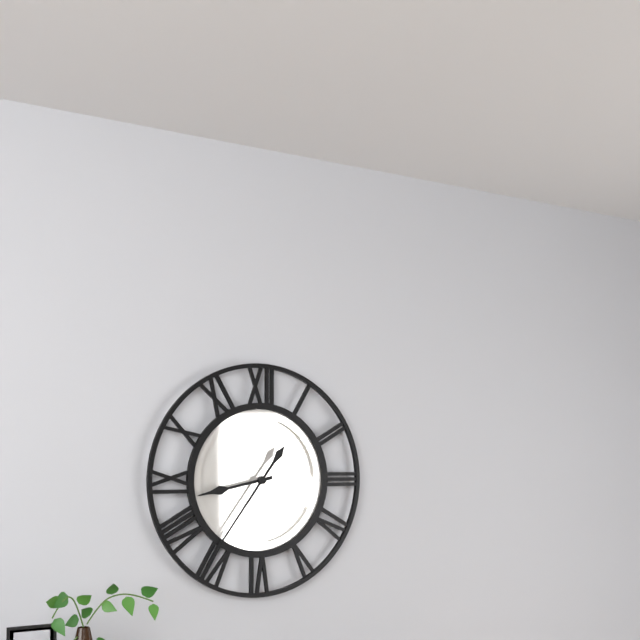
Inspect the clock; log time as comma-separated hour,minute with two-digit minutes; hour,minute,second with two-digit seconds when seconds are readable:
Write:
8,36
